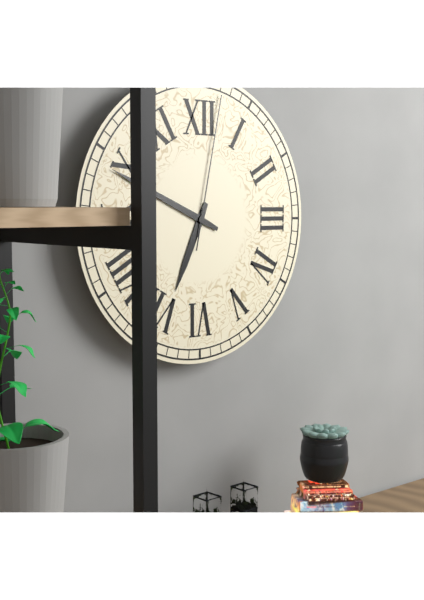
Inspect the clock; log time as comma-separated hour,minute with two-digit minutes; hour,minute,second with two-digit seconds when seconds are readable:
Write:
6,49,02
